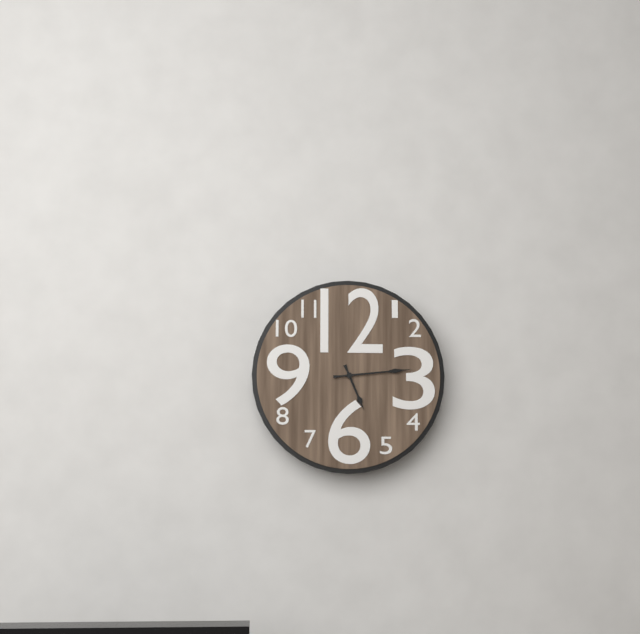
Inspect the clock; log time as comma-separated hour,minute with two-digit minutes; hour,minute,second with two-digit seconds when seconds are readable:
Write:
5,14
